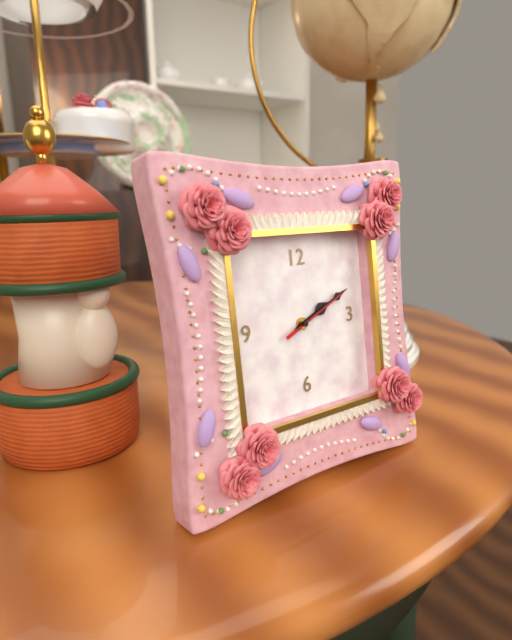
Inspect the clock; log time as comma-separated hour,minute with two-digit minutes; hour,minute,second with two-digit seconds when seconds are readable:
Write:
2,11,11
